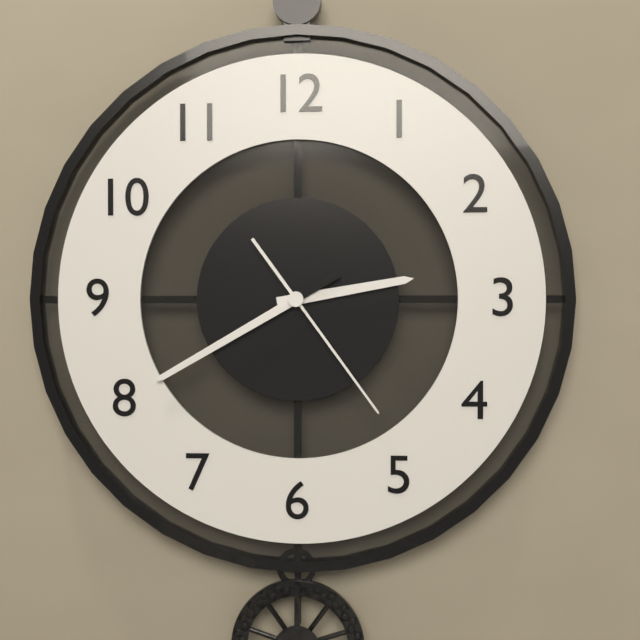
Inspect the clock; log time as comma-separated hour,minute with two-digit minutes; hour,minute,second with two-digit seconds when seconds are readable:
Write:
2,40,24
